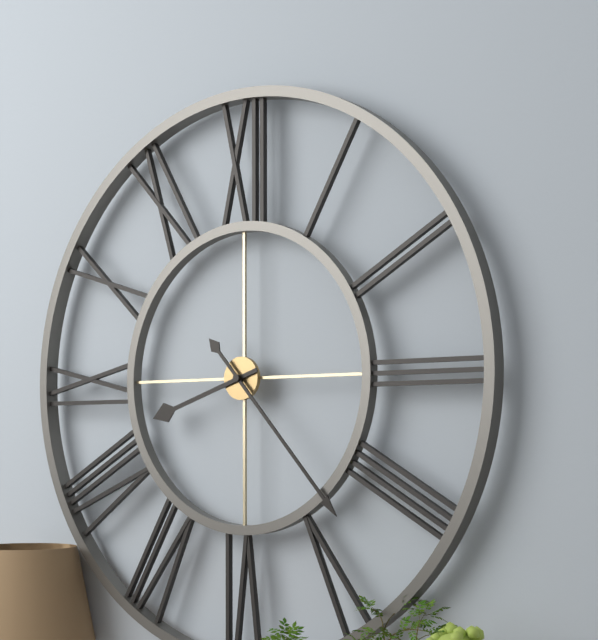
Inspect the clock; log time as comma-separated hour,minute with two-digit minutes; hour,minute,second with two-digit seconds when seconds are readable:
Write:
8,23
